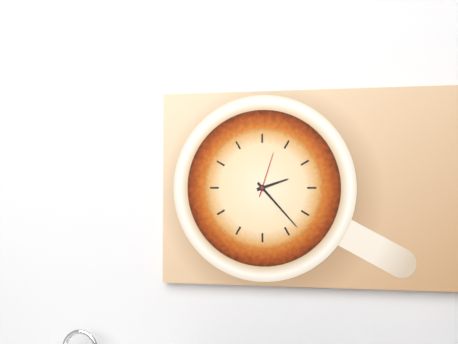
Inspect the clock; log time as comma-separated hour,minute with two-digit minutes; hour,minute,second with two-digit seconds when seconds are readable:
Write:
2,23
